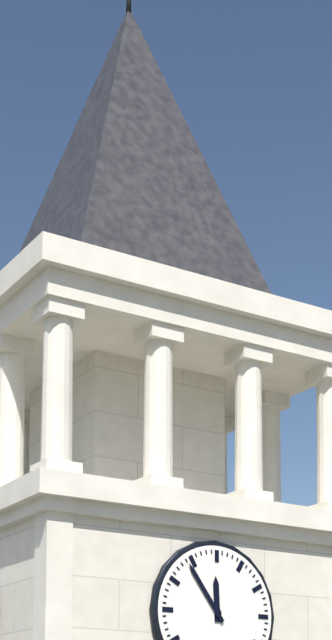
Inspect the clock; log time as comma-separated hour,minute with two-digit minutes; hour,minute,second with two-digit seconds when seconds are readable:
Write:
11,54
